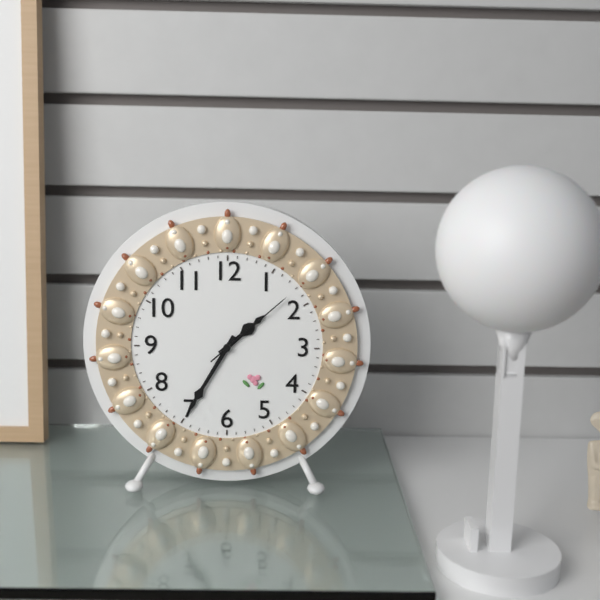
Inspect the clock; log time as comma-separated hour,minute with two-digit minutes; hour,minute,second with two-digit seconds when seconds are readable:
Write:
1,35,08
